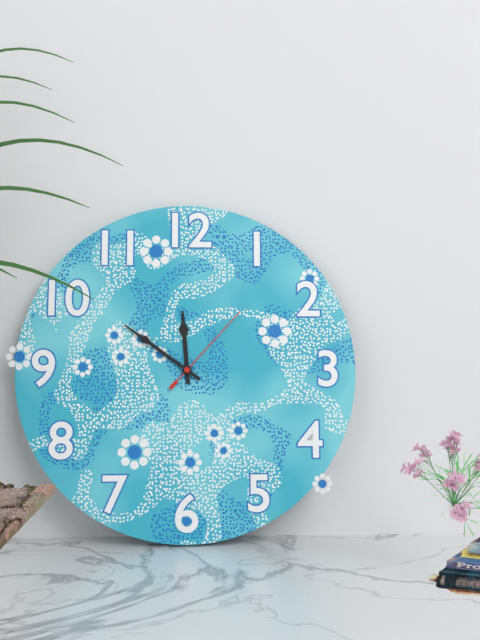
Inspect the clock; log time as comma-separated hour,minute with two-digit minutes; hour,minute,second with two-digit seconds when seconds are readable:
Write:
11,51,07
